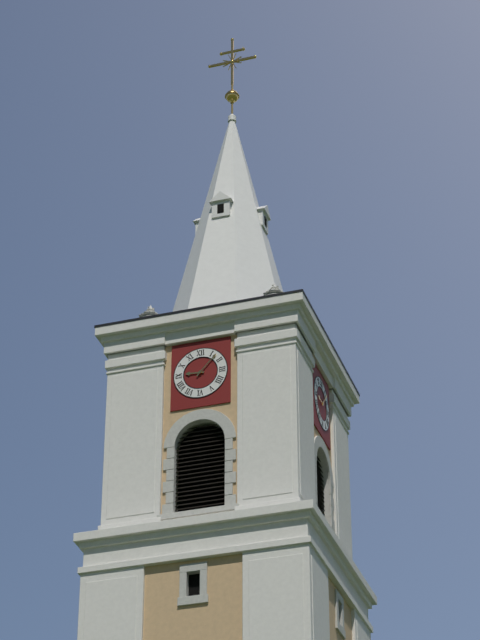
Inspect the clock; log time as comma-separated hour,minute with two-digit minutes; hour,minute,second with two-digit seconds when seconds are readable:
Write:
9,07
